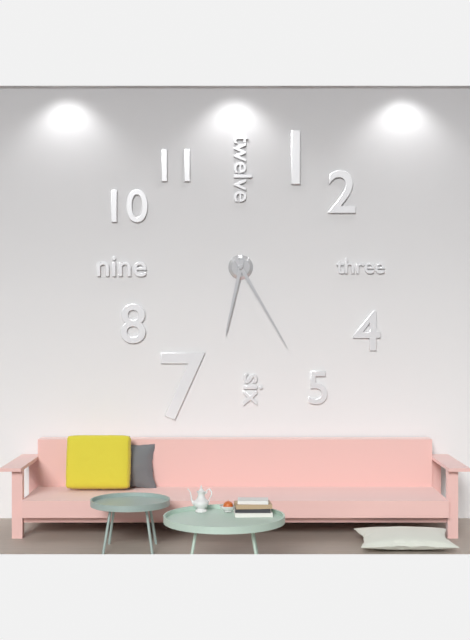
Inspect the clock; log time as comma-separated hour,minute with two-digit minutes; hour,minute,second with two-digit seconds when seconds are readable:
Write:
6,25
